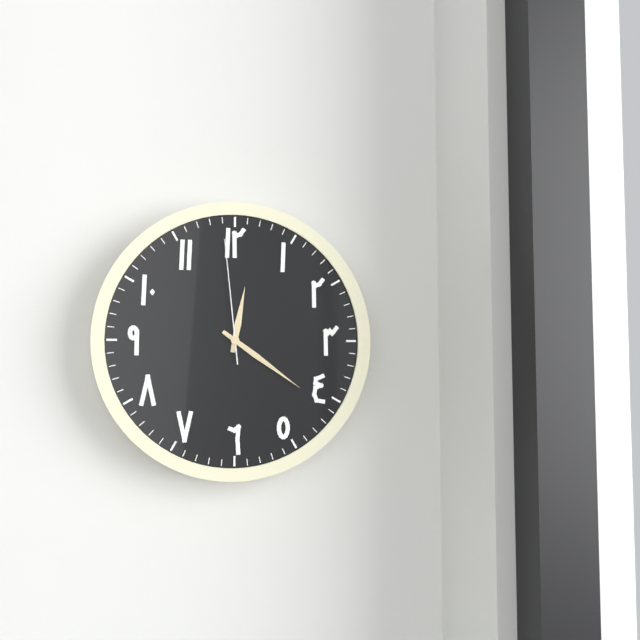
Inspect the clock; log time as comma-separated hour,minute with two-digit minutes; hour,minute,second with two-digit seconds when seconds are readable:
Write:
12,21,59
